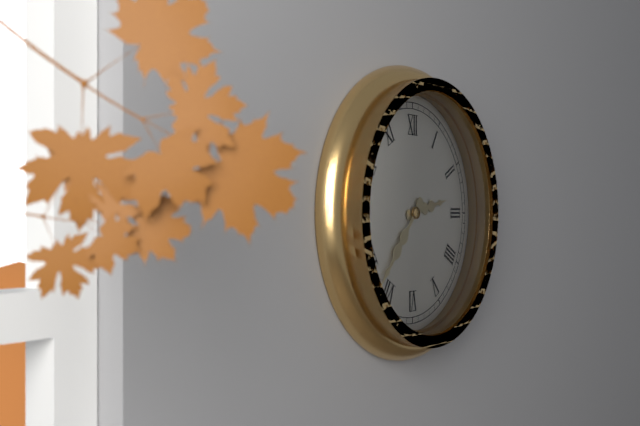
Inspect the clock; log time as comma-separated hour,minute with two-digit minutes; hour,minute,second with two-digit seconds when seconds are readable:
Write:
2,37
